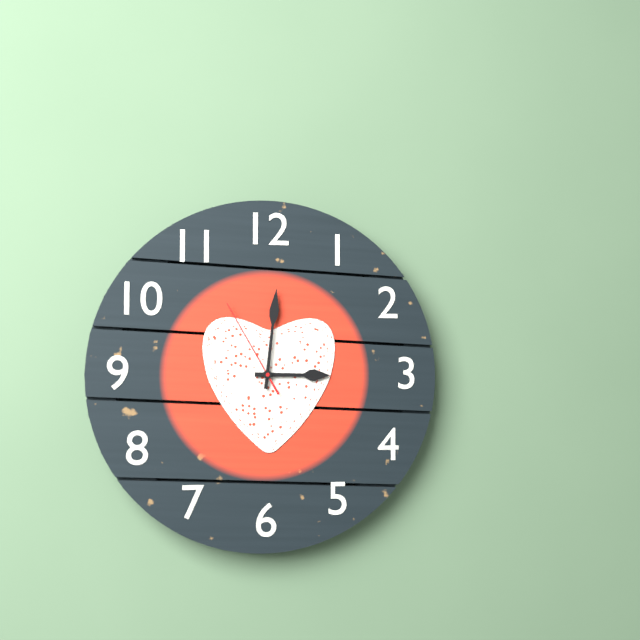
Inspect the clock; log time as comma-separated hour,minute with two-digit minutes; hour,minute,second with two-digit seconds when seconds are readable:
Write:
3,01,55
